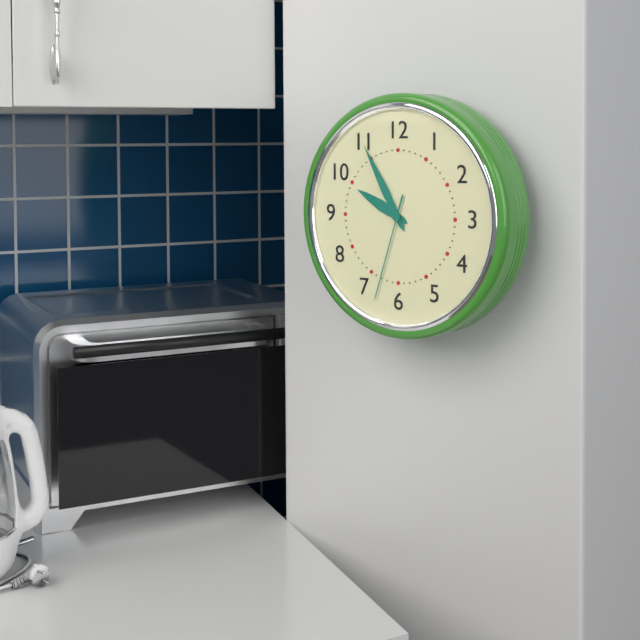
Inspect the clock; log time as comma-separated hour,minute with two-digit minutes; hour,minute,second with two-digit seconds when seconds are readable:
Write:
9,55,33
